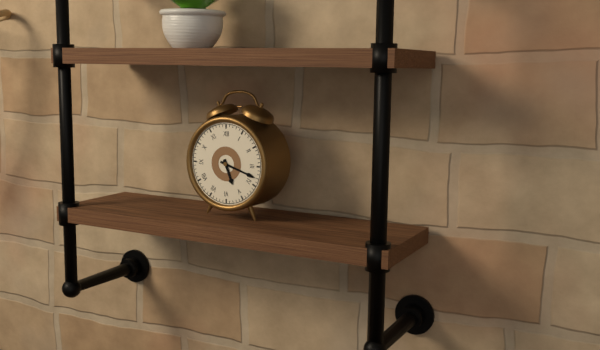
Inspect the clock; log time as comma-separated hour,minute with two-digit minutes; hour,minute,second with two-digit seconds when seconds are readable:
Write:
5,18
